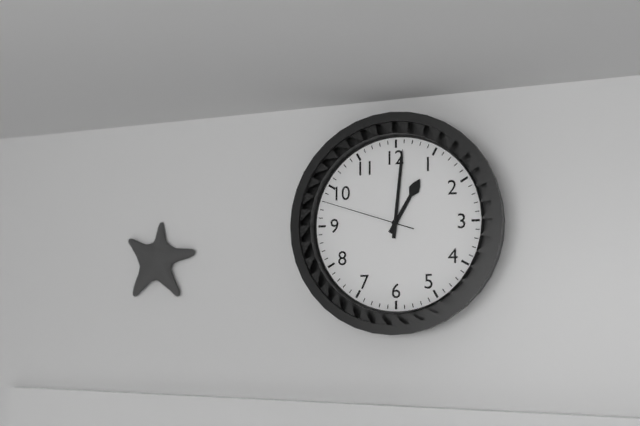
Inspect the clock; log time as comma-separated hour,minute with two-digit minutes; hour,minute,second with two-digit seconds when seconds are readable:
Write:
1,01,48
